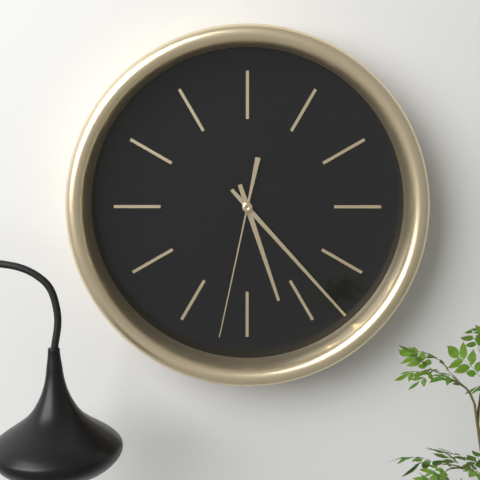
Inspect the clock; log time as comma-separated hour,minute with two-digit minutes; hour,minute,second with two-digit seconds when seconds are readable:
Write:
5,23,32
